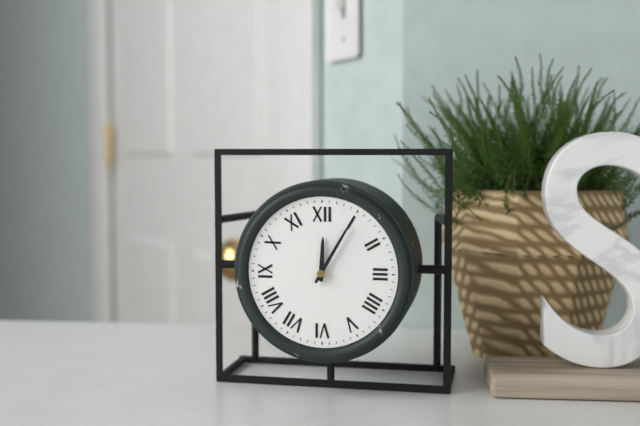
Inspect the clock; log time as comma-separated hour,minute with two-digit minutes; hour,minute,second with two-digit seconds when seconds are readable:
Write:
12,05
